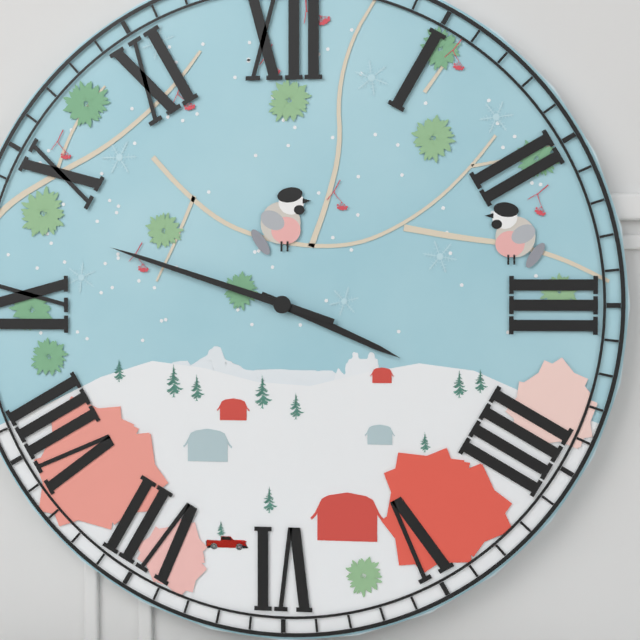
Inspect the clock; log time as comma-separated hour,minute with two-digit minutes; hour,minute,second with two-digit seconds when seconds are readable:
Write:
3,48
